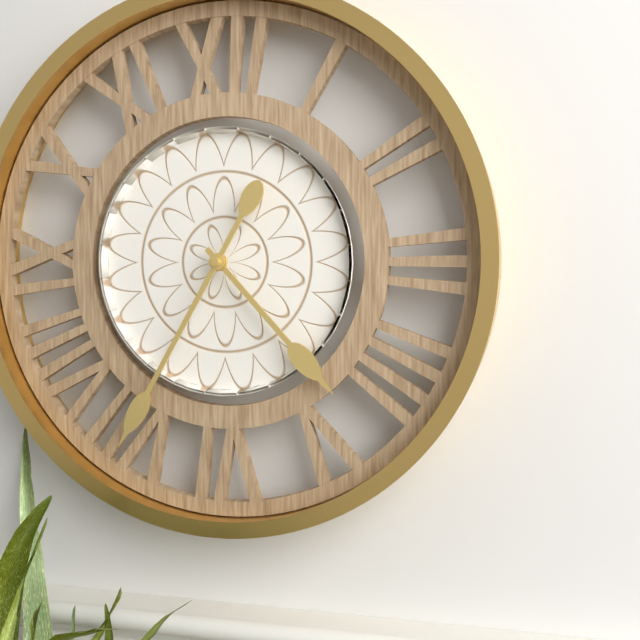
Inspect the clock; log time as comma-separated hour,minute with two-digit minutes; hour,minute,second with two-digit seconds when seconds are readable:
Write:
4,35
